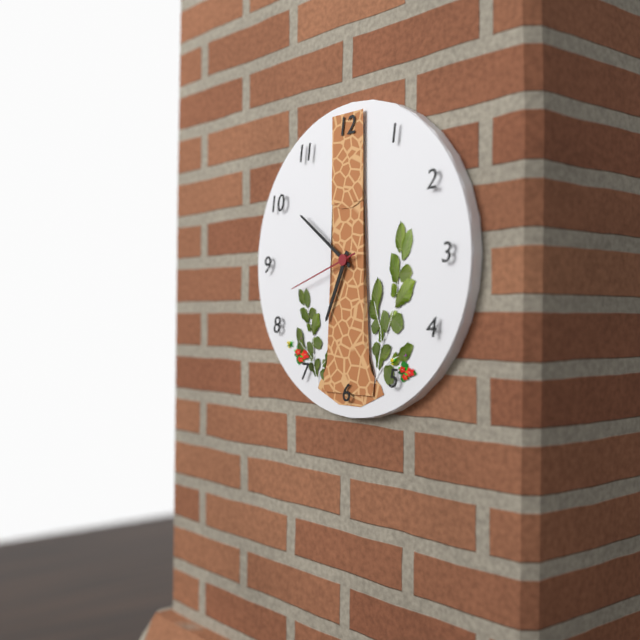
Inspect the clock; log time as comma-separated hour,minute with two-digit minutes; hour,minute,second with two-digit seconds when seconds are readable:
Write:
6,51,42
